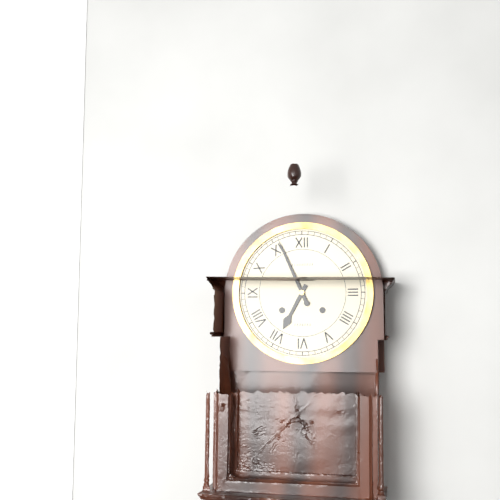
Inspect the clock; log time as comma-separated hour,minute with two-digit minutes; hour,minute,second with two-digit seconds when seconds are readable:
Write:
6,56
